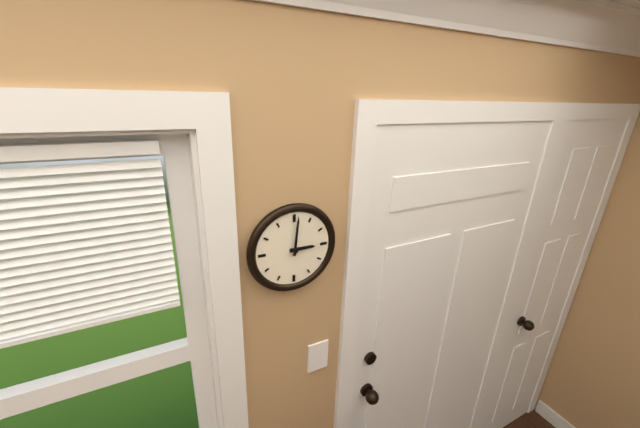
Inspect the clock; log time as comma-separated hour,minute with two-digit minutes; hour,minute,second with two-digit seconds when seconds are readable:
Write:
3,01
